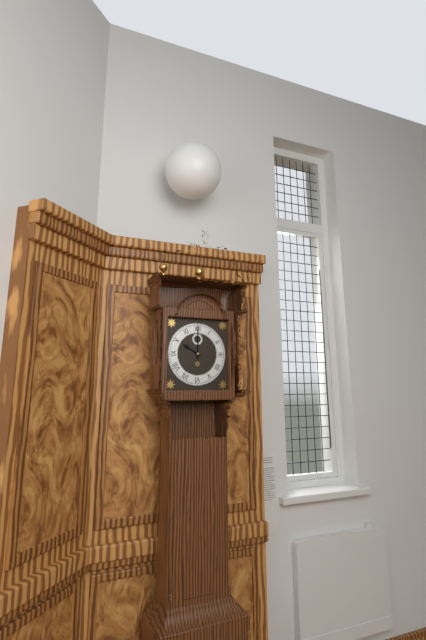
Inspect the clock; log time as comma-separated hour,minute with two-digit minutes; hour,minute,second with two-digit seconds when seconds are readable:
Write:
10,00
